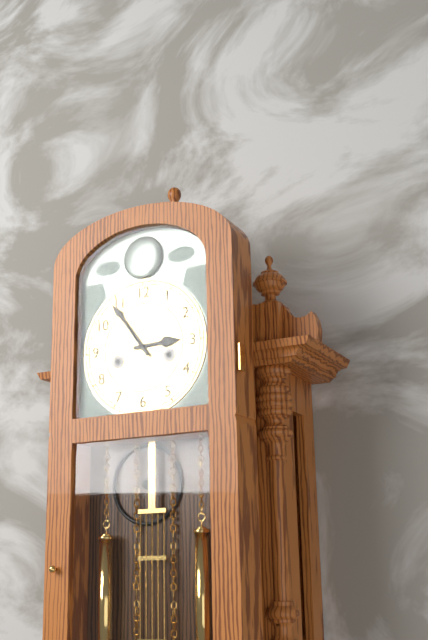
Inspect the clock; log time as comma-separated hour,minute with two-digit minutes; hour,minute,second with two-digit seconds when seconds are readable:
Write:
2,54
